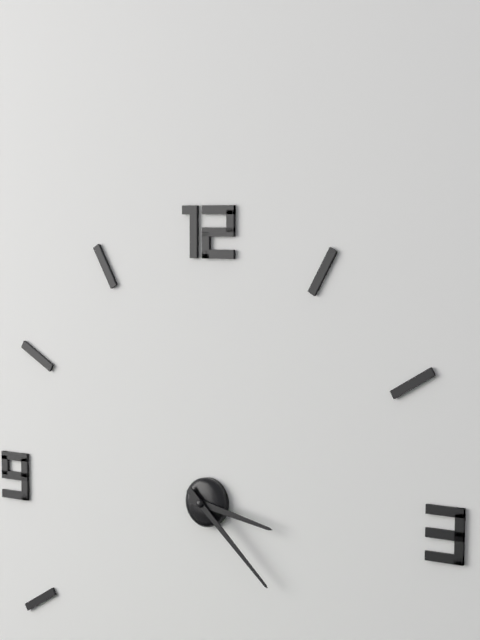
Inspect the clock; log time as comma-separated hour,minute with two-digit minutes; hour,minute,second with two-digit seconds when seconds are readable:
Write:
3,22
